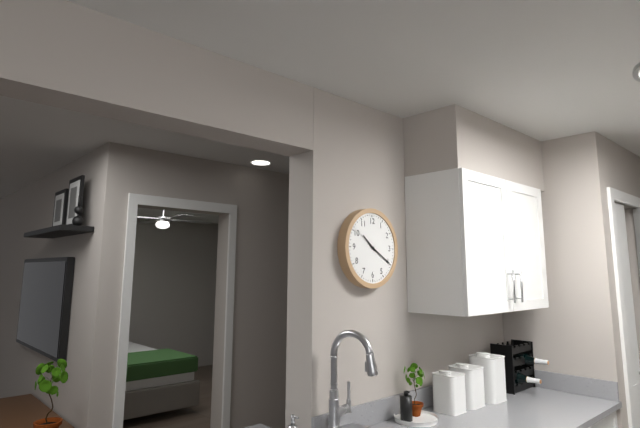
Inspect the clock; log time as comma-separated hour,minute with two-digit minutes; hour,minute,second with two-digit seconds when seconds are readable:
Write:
10,20
